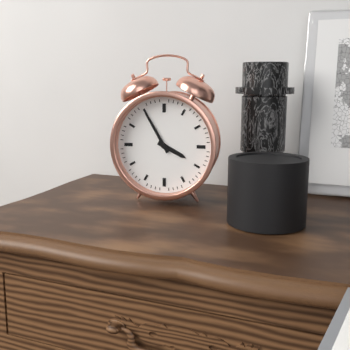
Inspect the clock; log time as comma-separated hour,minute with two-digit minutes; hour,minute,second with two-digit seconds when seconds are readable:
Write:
3,55
